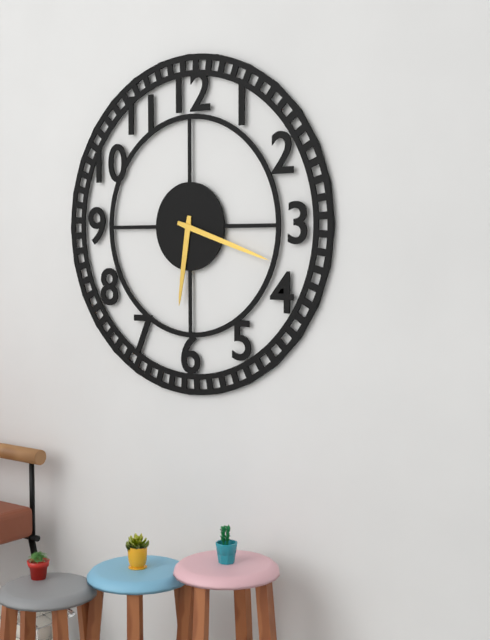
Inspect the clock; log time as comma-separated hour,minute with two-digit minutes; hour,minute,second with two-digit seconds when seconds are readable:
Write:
6,18
